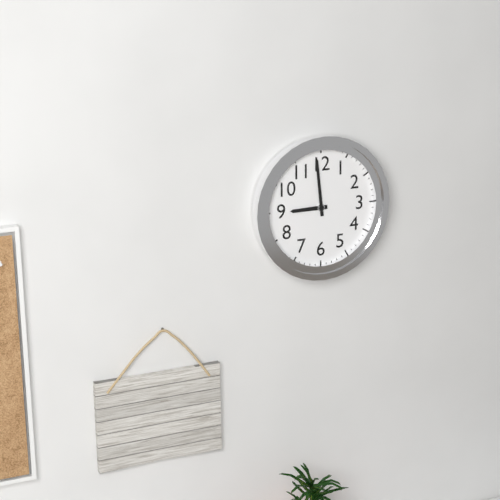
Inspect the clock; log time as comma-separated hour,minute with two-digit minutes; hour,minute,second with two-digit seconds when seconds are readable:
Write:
8,59
